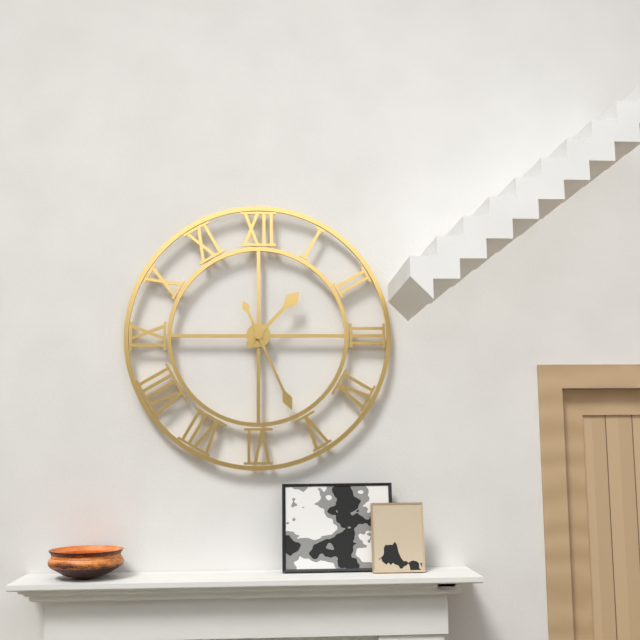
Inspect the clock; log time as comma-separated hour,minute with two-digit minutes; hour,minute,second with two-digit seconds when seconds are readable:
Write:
1,26
